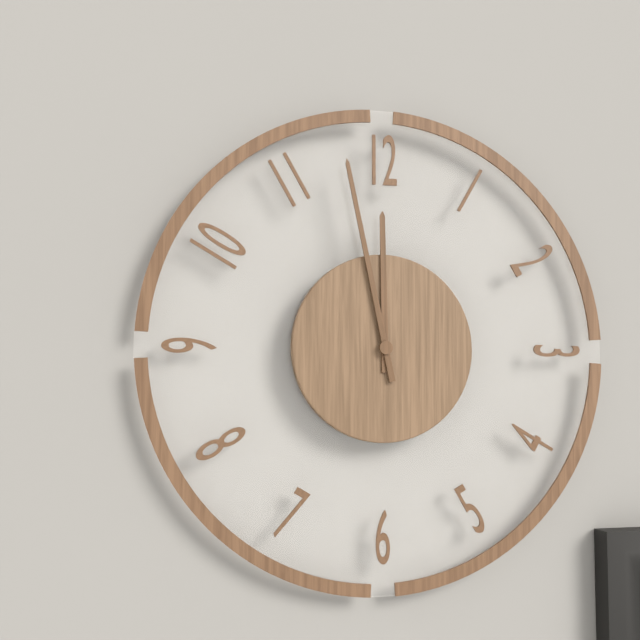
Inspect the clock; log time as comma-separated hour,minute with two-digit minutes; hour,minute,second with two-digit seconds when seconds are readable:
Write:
11,58
